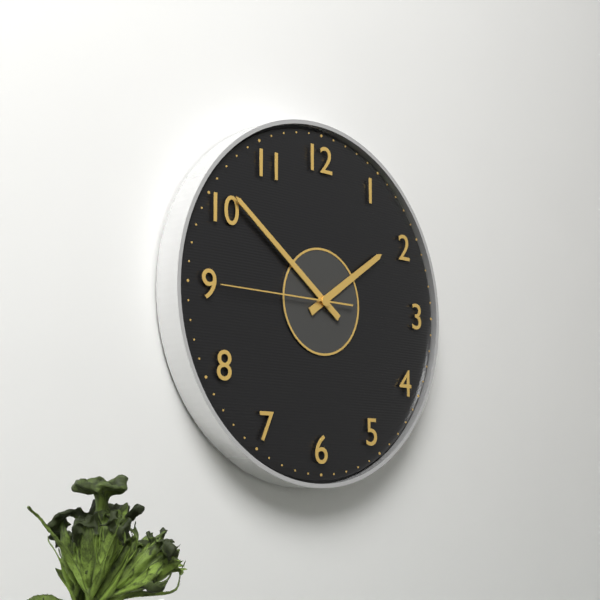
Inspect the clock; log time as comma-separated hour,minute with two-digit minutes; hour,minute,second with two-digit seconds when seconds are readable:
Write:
1,51,45
